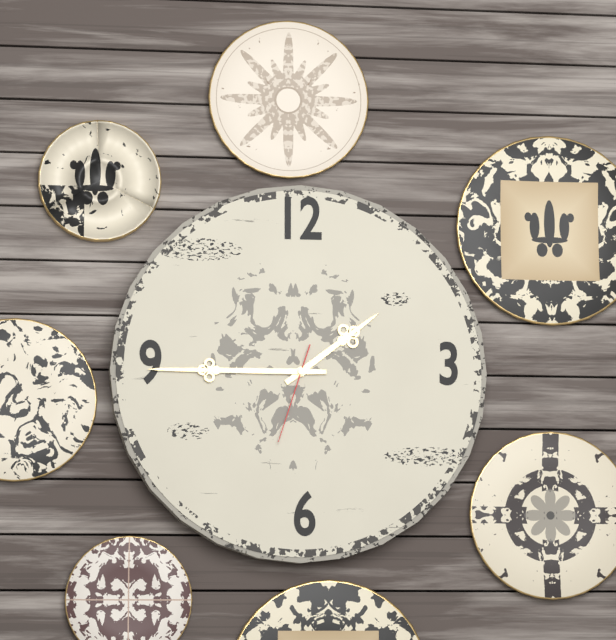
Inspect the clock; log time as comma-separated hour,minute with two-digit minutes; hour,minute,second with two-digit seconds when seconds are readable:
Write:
1,45,33
